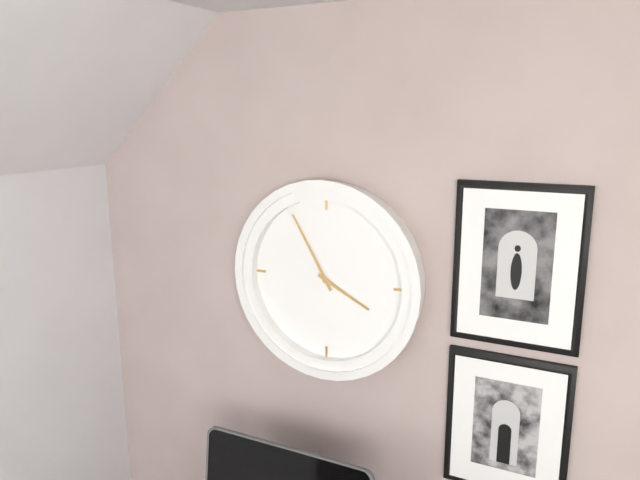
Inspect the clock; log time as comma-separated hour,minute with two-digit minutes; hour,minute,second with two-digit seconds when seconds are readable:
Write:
3,55
